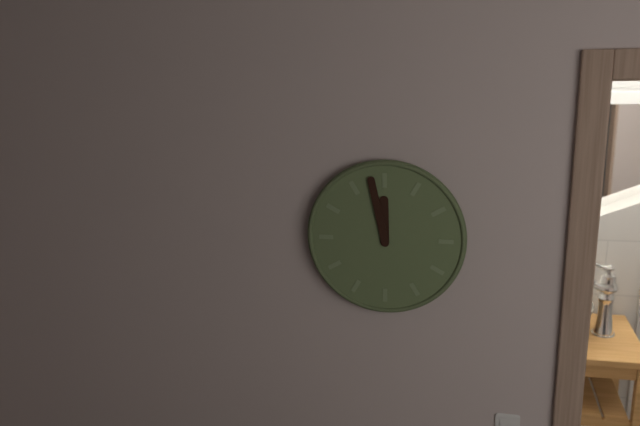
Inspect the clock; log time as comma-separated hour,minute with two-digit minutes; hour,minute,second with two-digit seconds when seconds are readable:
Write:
11,58
